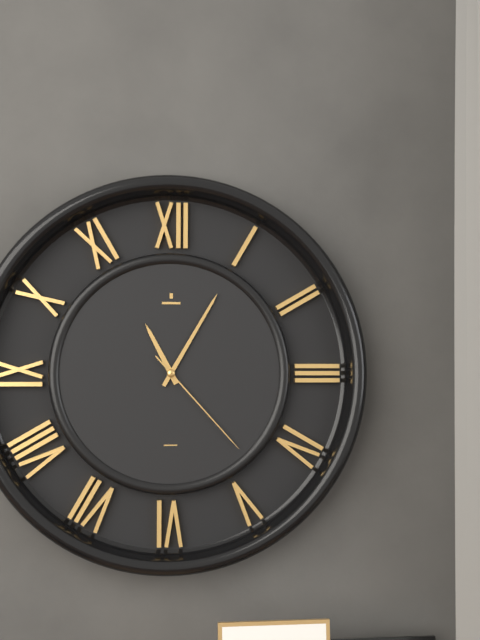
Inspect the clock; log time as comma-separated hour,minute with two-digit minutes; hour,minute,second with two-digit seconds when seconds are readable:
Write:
11,05,23
